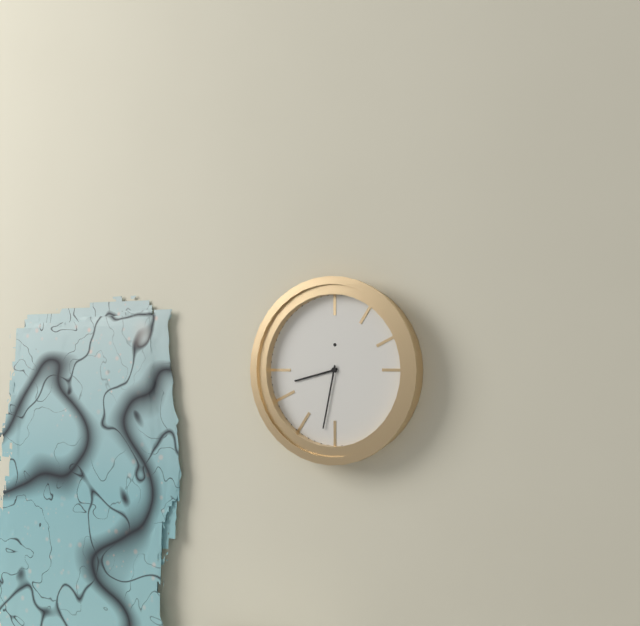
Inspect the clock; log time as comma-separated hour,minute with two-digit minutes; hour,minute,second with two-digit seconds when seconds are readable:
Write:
8,32
